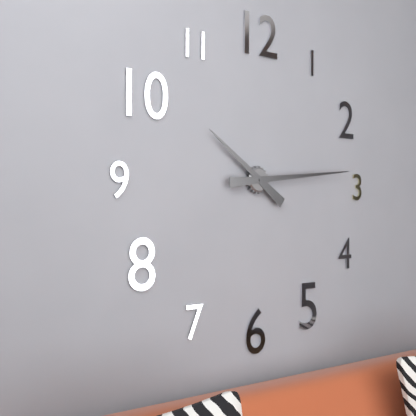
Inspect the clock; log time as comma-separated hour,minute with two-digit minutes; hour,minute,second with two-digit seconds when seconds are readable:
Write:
10,14
